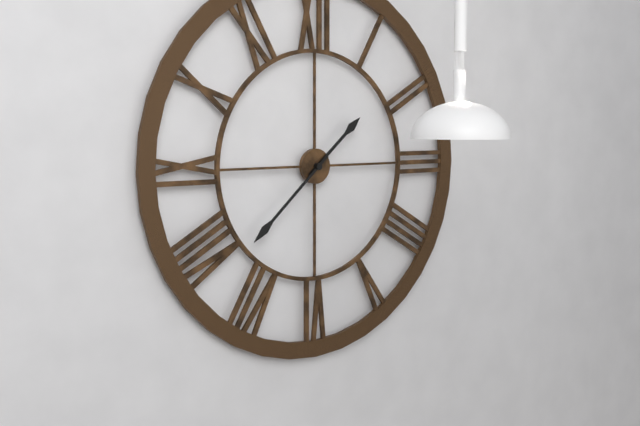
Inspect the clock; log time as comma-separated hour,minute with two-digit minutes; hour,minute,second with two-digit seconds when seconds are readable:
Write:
1,38
